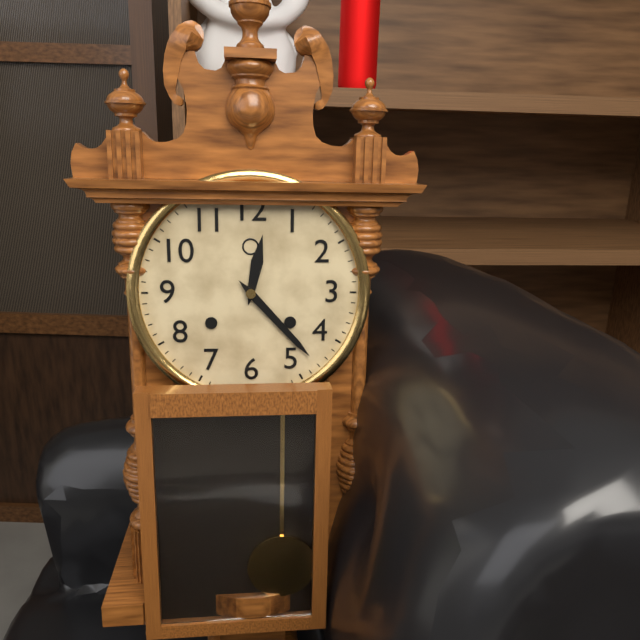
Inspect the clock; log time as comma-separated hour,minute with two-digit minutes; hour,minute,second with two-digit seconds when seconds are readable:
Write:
12,23
